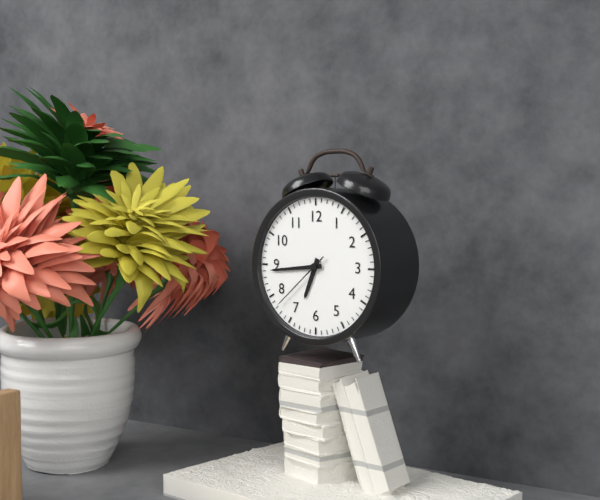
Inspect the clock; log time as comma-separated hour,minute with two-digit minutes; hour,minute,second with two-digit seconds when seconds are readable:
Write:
6,44,38
